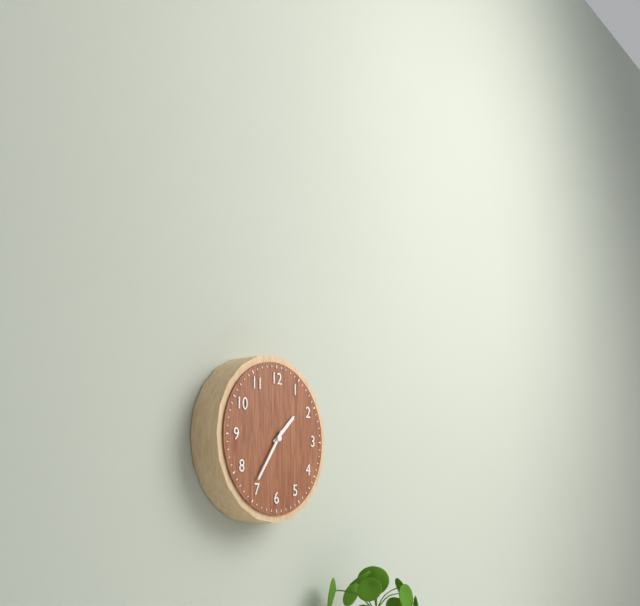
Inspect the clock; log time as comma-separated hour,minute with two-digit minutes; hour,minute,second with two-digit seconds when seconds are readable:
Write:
1,36
